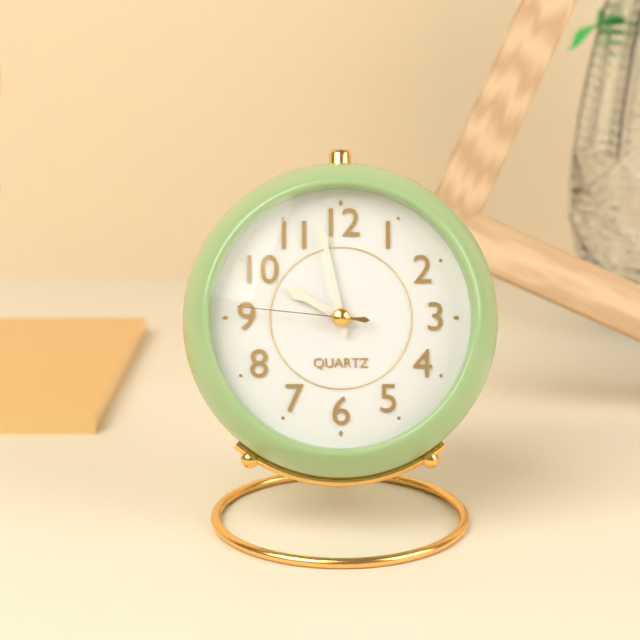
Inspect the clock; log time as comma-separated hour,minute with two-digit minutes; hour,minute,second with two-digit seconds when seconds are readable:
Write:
9,58,46
